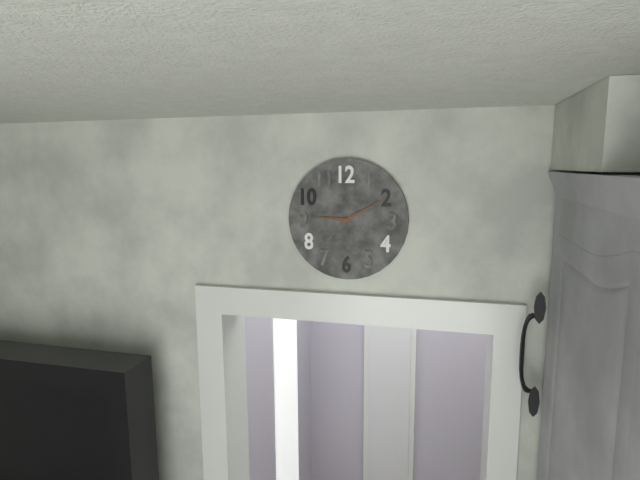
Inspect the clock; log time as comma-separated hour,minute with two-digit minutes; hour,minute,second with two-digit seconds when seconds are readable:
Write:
9,10
